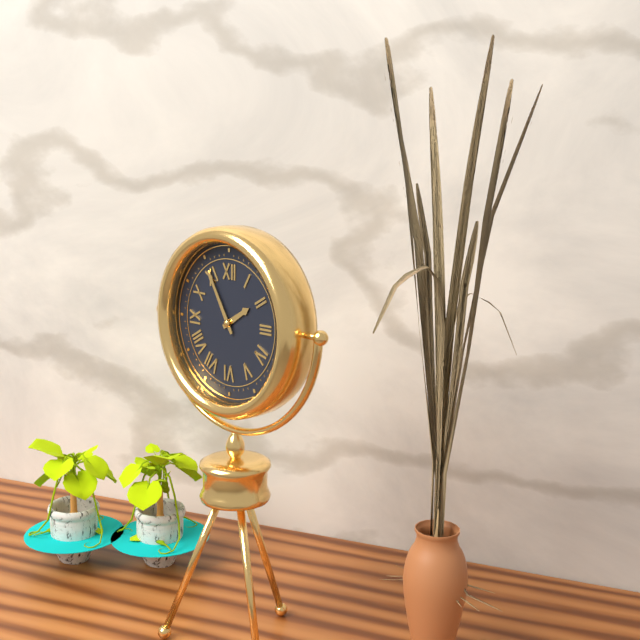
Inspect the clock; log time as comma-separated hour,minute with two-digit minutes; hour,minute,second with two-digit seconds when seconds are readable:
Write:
1,55
